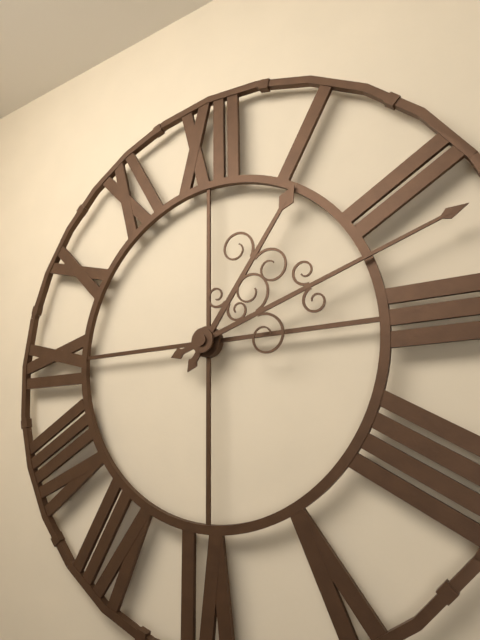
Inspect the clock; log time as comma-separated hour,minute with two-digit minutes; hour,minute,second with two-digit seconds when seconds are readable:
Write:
1,12
